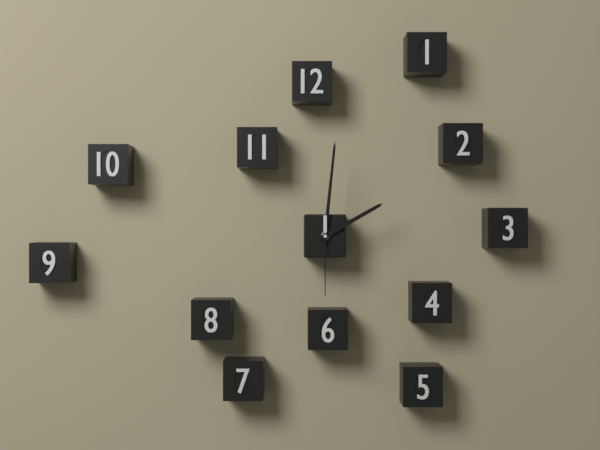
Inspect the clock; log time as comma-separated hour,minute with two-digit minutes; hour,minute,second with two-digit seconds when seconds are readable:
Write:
2,01,30
